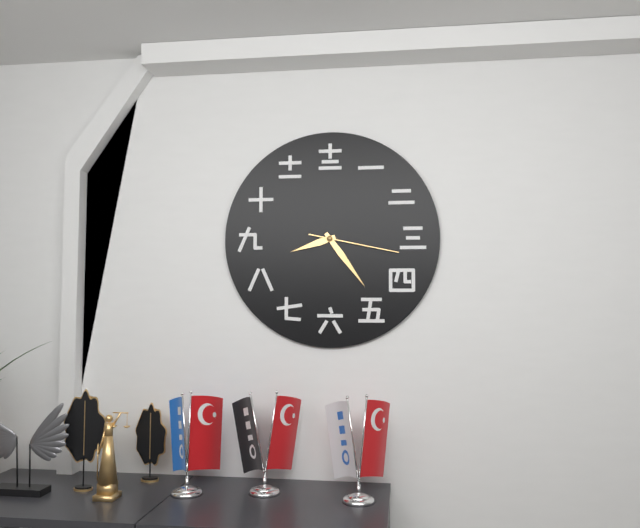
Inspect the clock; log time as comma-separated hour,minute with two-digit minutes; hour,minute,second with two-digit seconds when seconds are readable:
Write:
8,24,17
